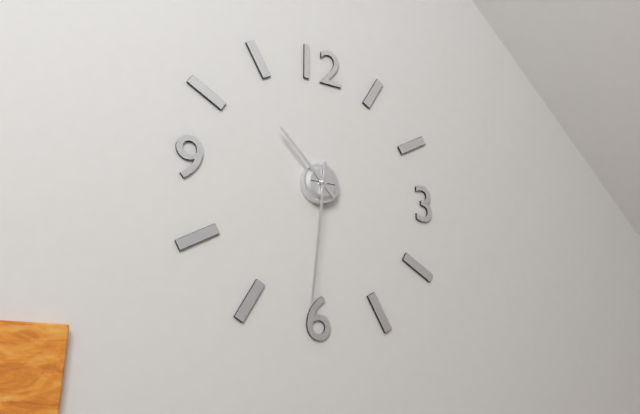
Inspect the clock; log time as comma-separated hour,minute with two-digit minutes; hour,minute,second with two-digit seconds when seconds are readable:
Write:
10,31
